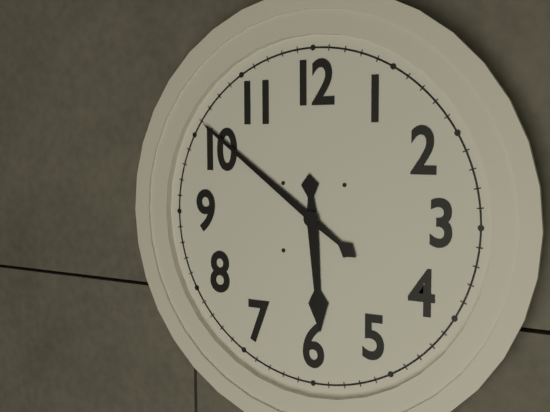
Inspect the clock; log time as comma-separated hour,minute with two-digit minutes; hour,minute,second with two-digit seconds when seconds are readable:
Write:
5,51
